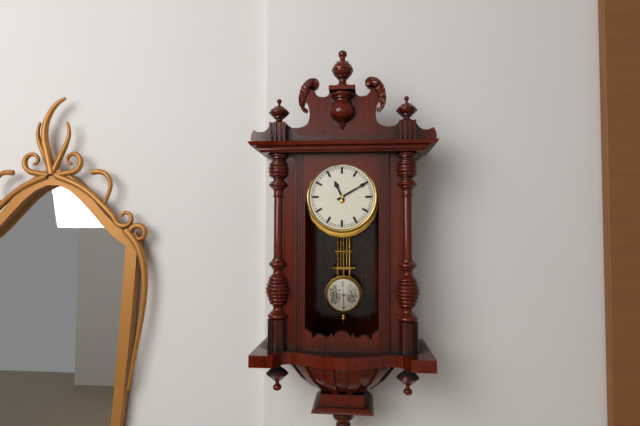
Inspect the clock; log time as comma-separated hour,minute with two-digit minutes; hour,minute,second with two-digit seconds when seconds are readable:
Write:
11,10
